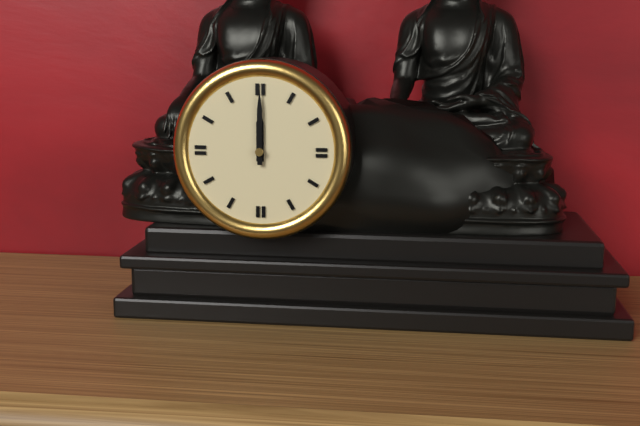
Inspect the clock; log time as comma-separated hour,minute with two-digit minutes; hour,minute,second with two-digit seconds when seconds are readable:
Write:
12,00
